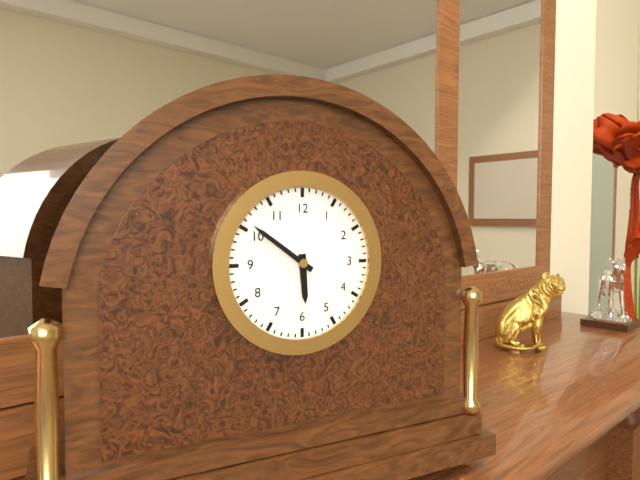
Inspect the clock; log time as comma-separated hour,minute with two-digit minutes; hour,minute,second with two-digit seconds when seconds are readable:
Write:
5,51
